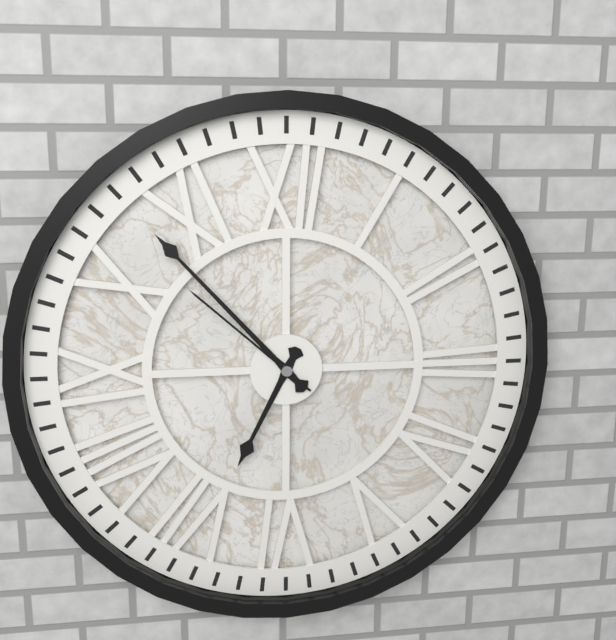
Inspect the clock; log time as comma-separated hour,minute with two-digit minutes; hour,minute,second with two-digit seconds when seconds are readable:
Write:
6,53,52
